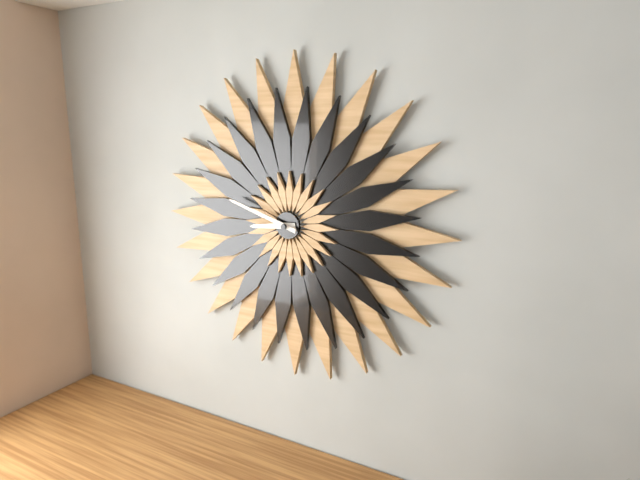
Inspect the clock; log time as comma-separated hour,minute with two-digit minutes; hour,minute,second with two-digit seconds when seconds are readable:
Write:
8,48
